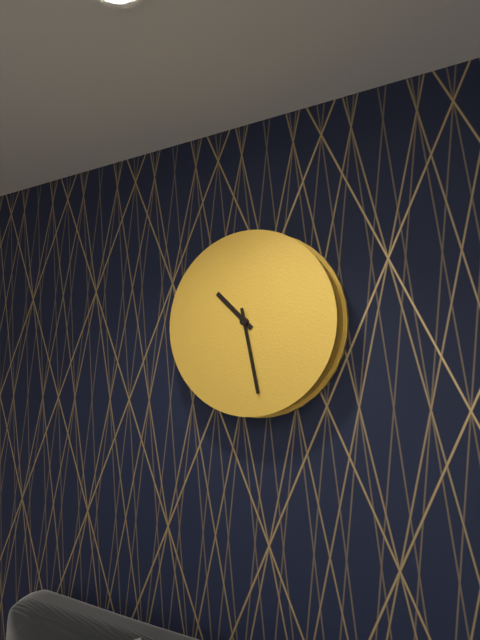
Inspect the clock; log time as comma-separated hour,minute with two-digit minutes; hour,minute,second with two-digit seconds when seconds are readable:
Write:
10,28
